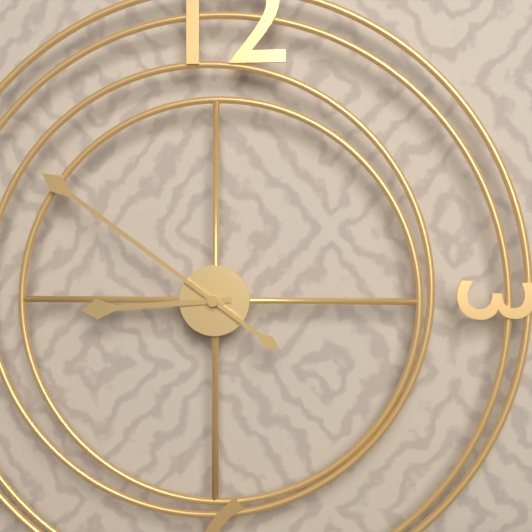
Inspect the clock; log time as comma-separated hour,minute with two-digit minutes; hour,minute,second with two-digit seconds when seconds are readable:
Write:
8,51
